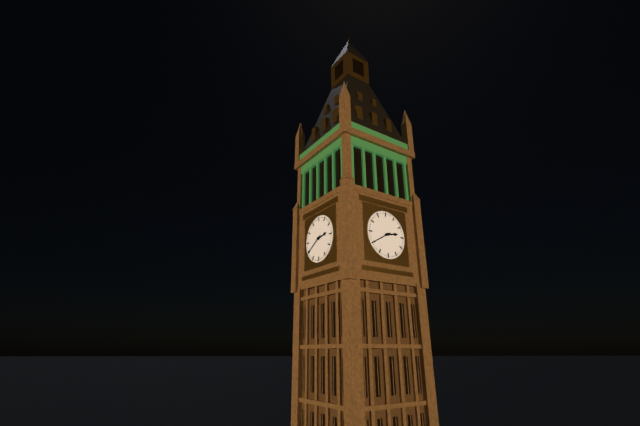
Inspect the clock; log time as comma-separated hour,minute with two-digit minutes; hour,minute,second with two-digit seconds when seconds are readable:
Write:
2,40
